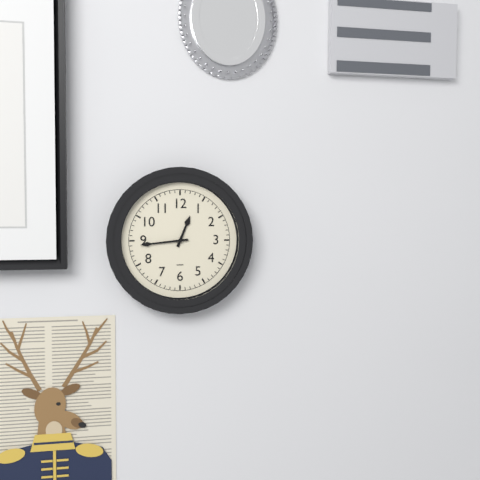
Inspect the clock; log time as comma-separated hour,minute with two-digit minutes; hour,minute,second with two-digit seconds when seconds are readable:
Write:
12,44
